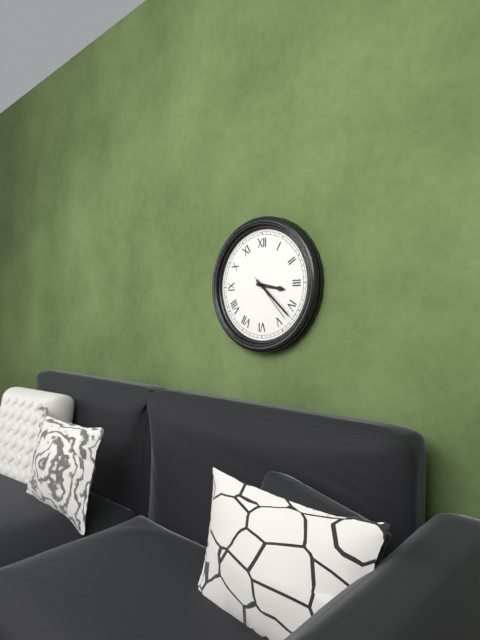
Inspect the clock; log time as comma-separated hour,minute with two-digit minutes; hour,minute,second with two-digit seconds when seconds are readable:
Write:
3,22,23
